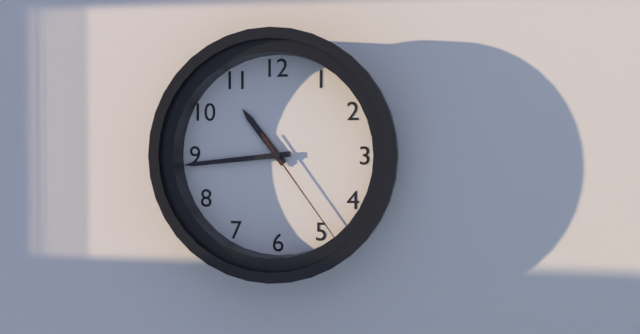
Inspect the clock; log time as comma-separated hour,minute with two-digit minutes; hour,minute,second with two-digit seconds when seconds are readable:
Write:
10,44,24
